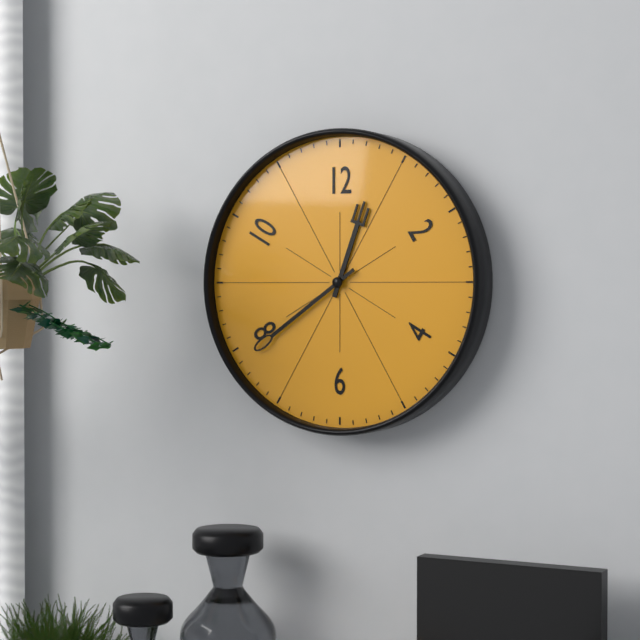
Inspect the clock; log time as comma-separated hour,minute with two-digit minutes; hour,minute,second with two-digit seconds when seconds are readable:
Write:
12,39
